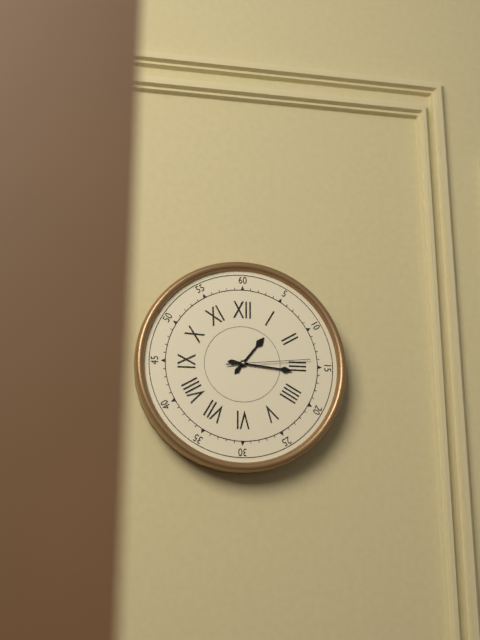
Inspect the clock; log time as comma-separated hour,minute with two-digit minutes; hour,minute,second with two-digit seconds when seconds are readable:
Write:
1,16,14
